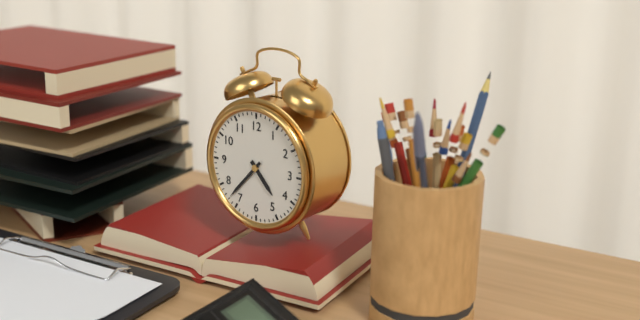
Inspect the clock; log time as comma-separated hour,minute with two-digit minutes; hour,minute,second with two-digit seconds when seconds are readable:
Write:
4,37
